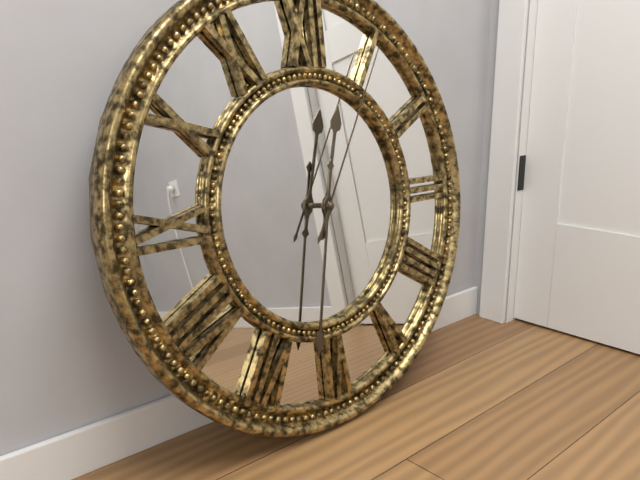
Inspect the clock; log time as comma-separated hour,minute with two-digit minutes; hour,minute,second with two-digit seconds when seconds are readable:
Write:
12,32,05
